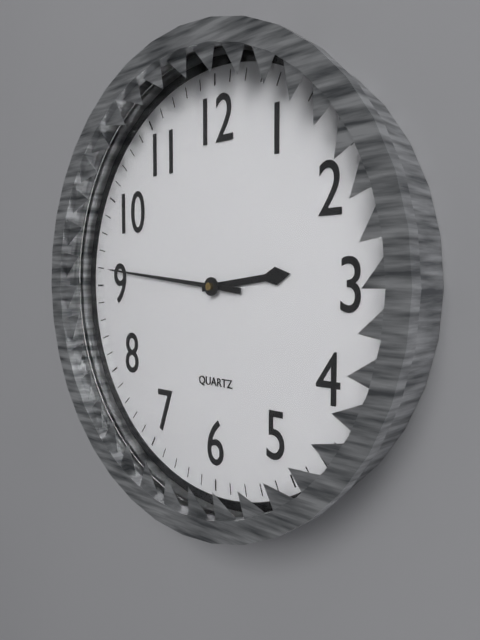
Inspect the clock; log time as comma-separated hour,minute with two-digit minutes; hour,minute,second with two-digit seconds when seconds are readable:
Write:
2,46
